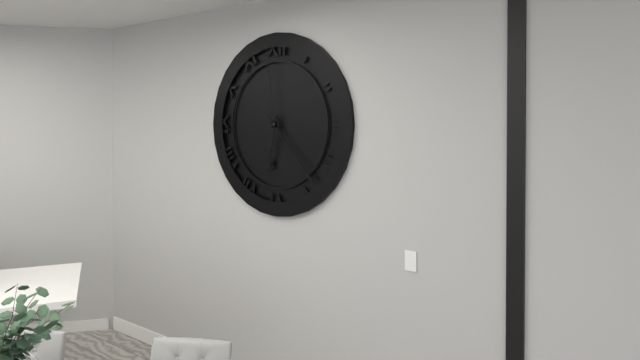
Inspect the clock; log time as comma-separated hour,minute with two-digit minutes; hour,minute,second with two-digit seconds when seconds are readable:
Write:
6,23,59
